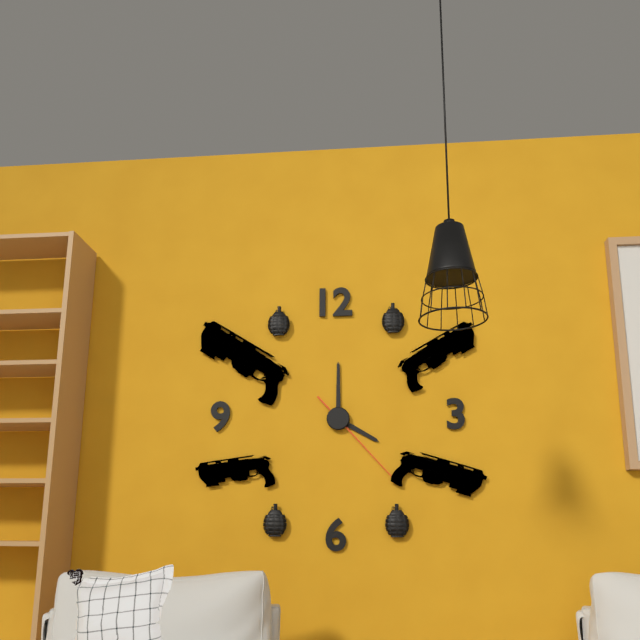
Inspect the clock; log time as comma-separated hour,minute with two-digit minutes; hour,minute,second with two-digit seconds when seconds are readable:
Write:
4,00,23
